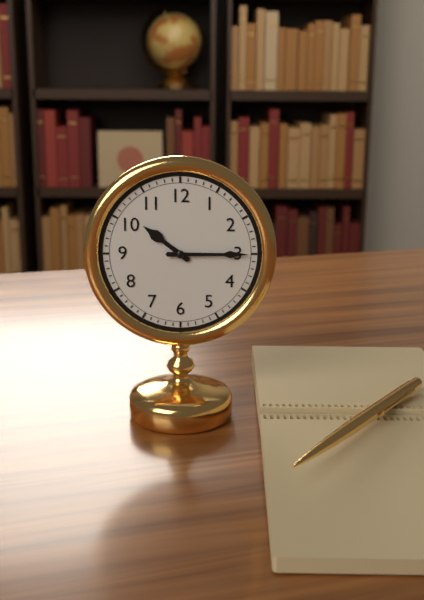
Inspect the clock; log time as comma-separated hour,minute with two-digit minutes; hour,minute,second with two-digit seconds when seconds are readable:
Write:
10,15
